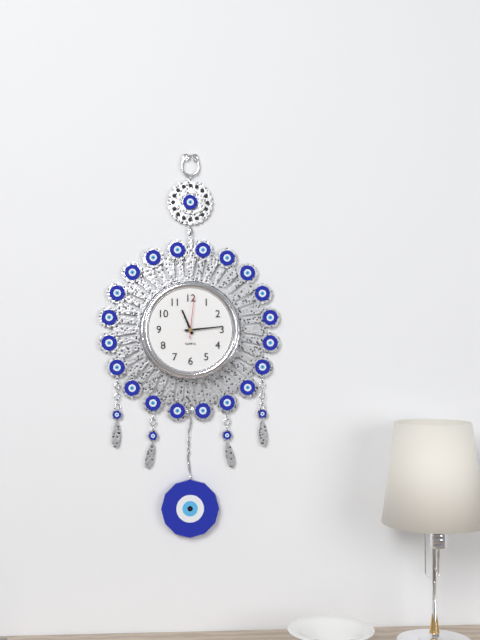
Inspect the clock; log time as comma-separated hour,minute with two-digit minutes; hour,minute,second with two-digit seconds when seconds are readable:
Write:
11,14
